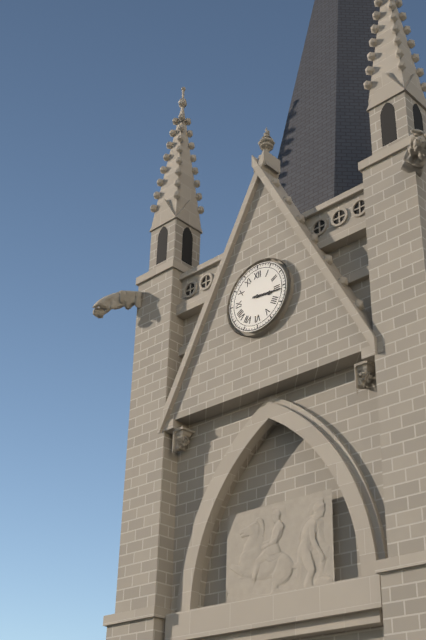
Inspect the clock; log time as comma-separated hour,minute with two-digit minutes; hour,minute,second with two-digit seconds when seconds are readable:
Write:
3,16
